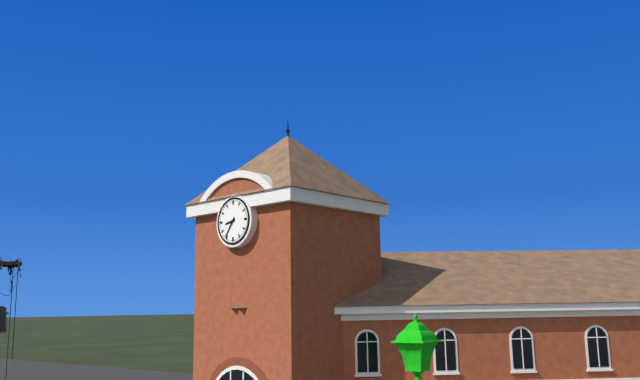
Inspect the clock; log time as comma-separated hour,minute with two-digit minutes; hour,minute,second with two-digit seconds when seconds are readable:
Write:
8,36
